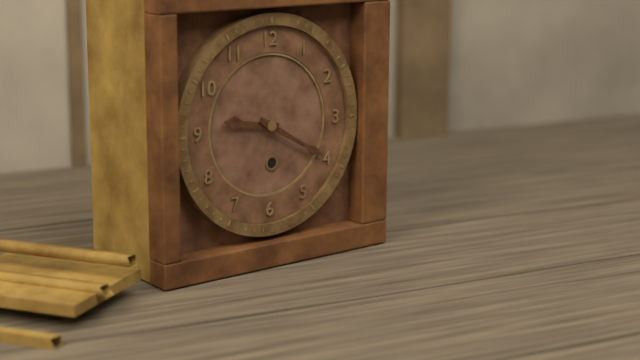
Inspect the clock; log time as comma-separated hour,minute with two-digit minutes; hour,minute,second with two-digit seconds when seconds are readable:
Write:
9,20
